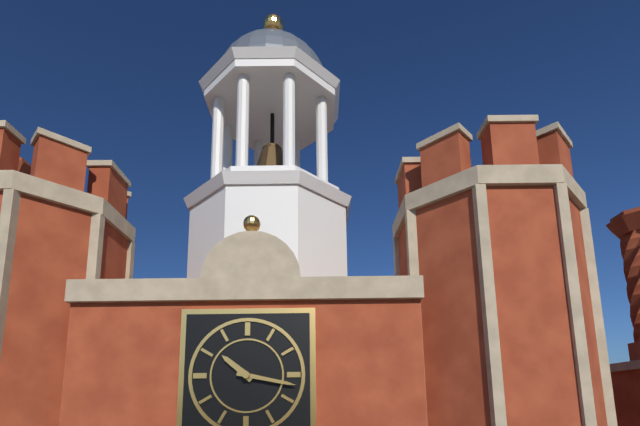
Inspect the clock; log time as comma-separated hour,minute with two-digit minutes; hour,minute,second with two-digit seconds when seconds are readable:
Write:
10,17
